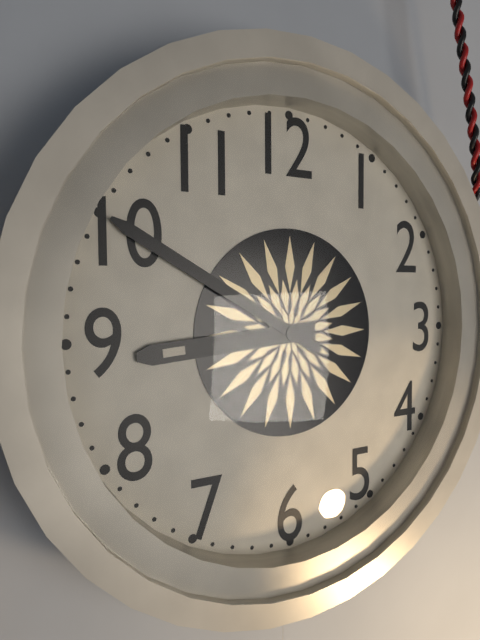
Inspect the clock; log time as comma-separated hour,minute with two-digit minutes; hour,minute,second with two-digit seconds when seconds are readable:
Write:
8,50
